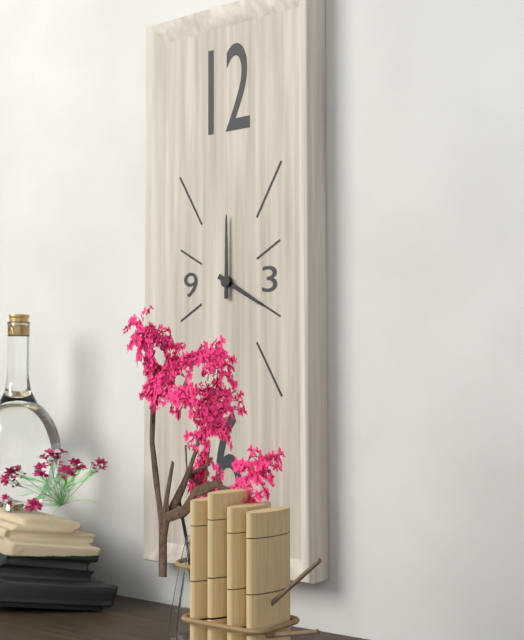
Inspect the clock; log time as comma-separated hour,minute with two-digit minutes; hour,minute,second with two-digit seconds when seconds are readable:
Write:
4,00
